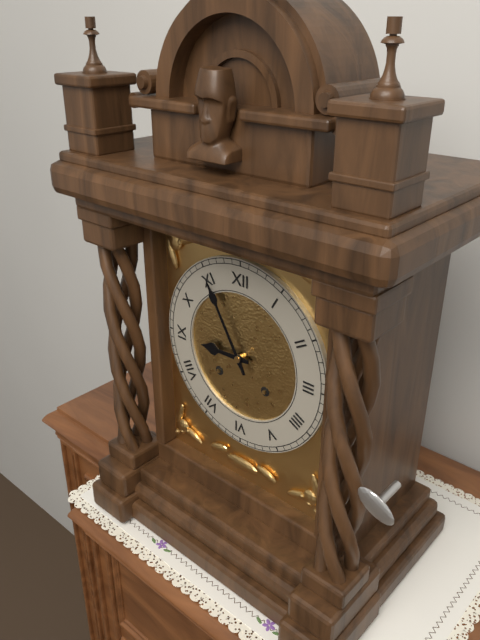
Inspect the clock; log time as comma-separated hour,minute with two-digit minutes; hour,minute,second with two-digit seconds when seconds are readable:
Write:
8,55
